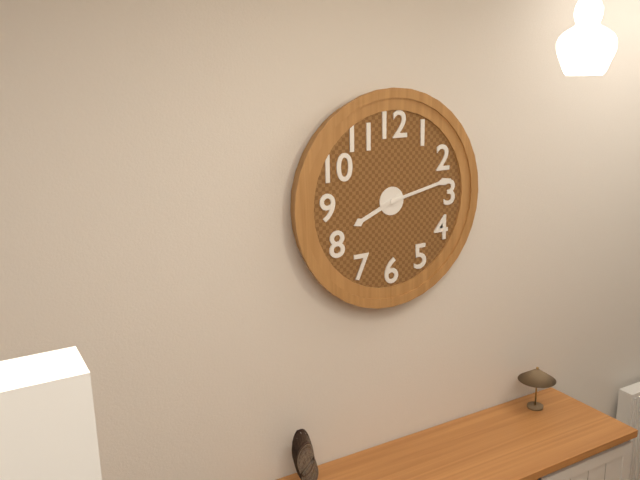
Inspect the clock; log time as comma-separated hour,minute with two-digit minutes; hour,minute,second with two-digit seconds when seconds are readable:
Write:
8,13
